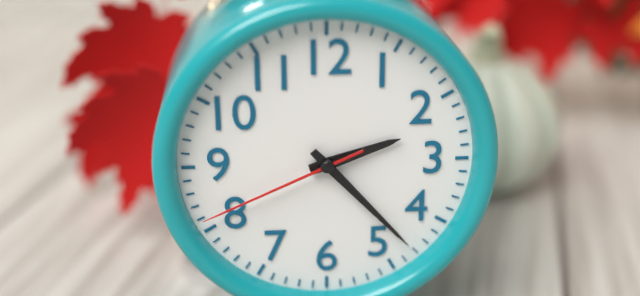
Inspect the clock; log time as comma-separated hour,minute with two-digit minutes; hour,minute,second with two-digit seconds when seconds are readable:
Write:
2,23,41
